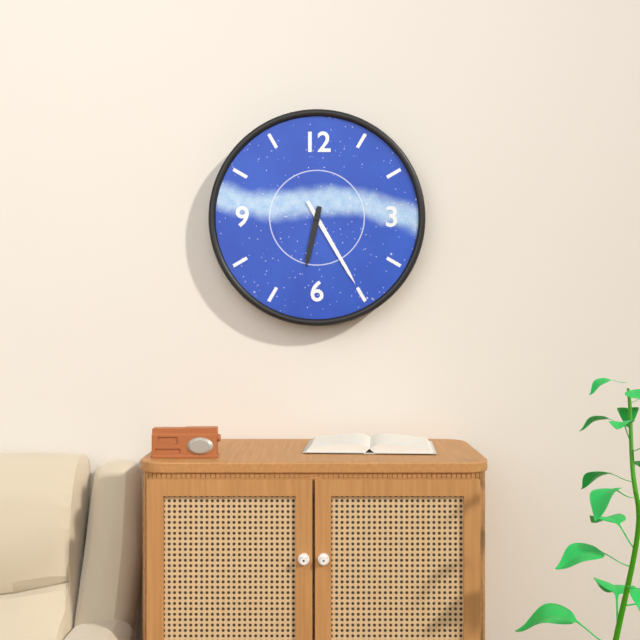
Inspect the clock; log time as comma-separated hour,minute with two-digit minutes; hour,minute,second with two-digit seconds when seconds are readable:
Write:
6,25
